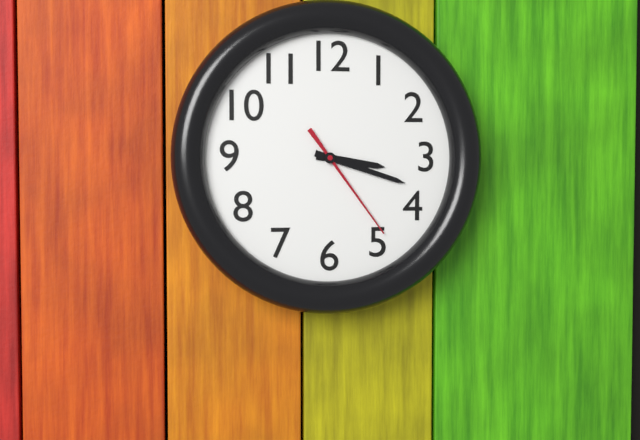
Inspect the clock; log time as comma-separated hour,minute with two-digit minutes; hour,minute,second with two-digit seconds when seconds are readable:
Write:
3,18,24
